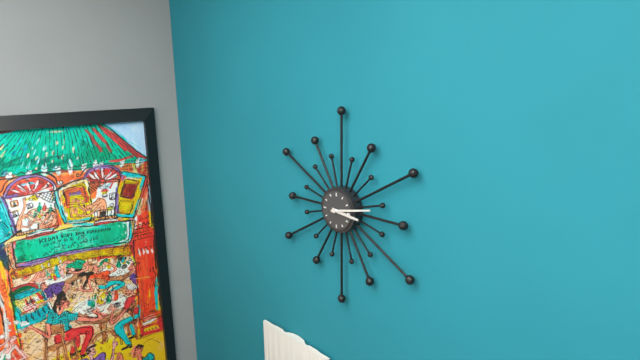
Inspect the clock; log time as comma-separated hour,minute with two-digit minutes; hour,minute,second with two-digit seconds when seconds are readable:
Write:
3,13
